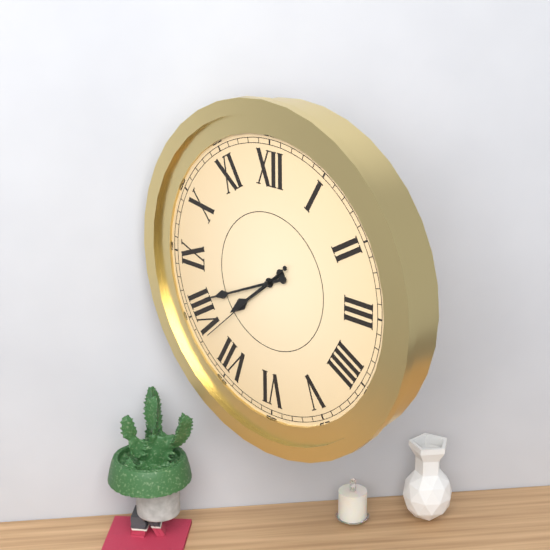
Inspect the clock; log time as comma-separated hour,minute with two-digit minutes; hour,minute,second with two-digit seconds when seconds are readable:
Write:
7,41,38
